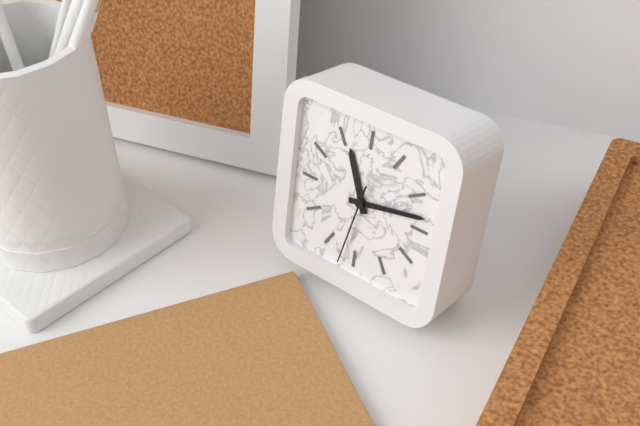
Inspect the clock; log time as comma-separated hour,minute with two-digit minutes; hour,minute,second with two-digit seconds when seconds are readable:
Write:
11,13,32
